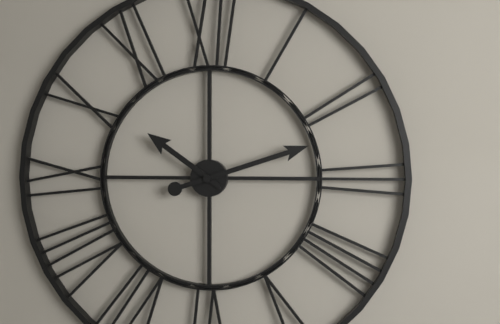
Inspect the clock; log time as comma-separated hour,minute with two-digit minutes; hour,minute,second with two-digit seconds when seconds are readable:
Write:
10,12
